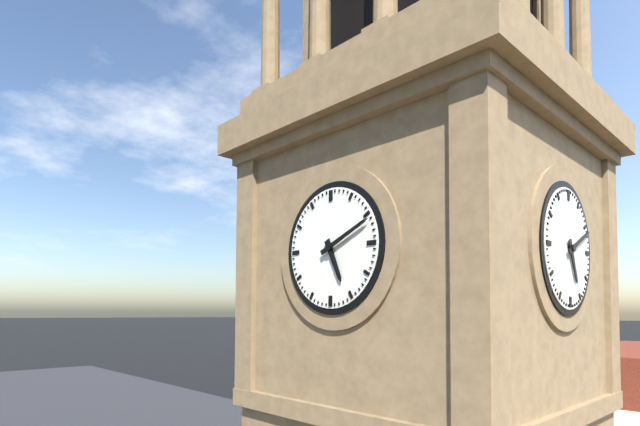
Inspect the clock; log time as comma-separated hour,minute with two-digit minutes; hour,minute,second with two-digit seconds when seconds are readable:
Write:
5,11
